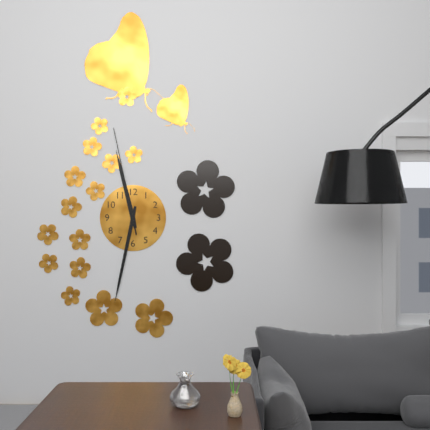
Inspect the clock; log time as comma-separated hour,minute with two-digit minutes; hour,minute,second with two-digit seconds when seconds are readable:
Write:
11,32,58
